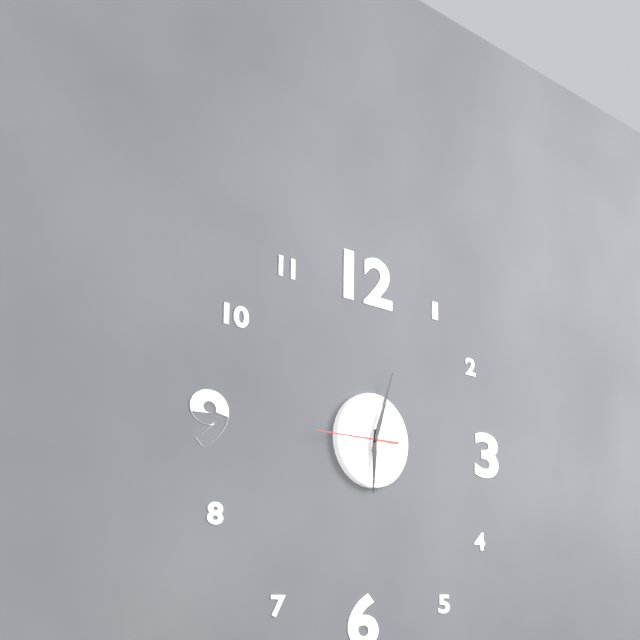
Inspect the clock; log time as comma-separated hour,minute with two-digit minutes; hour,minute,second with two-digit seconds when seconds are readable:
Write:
6,03,45
